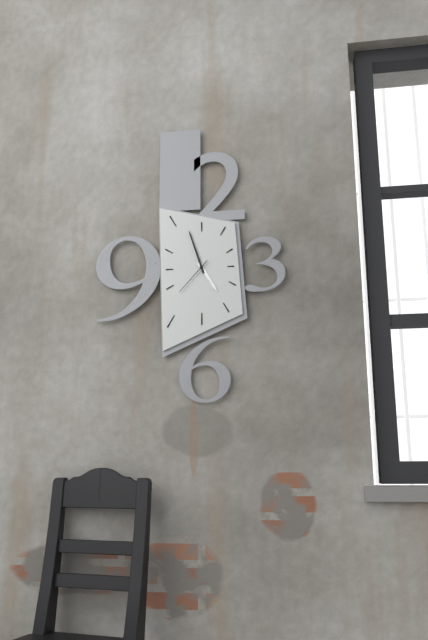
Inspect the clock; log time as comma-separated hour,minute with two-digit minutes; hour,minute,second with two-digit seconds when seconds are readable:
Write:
4,57
